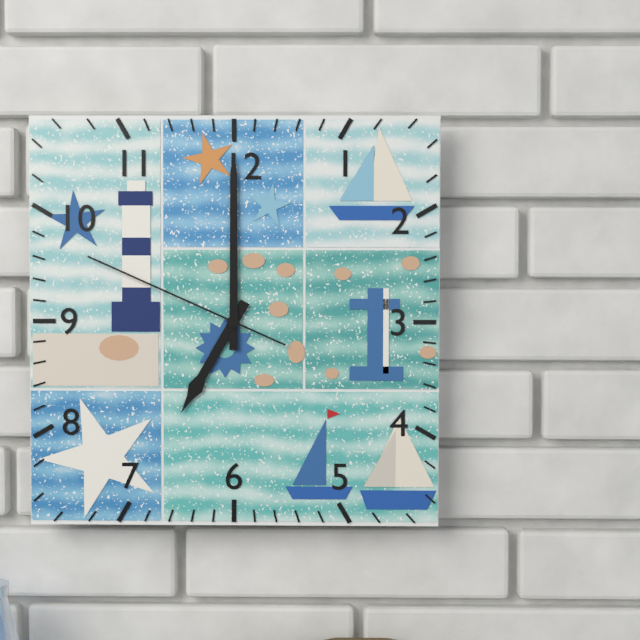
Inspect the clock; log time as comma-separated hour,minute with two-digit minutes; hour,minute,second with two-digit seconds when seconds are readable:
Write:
7,00,49
